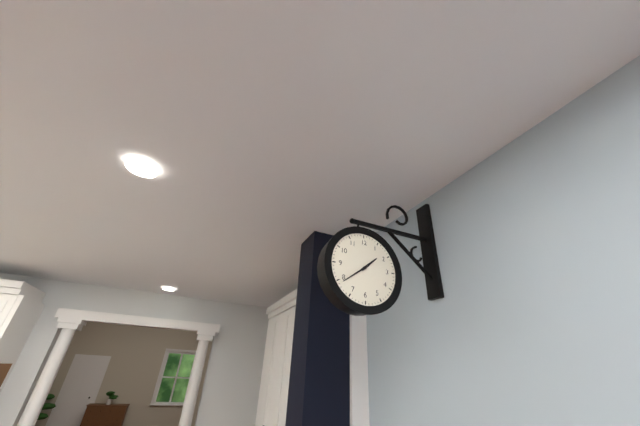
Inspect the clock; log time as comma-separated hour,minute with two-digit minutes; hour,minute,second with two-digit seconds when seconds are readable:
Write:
1,39
